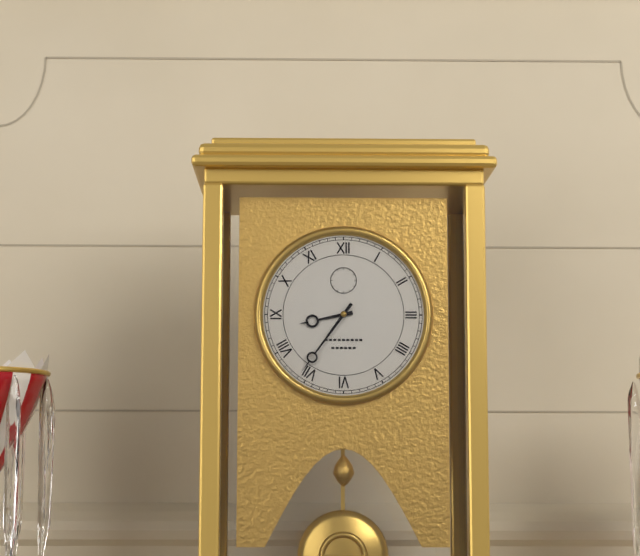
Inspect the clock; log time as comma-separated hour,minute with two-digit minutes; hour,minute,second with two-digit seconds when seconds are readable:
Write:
8,36
